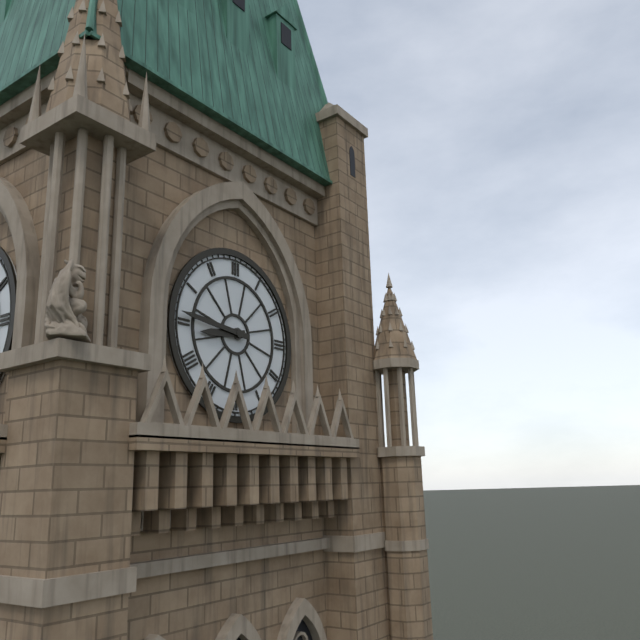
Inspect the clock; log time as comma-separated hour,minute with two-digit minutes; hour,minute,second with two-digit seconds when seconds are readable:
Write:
8,46
